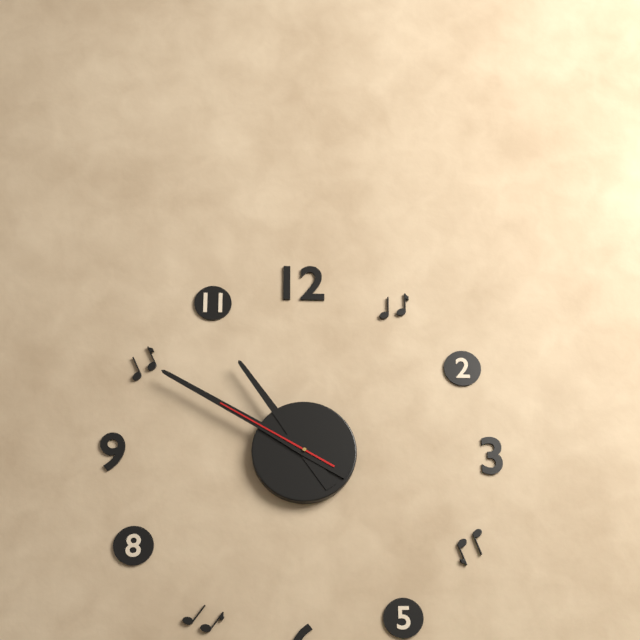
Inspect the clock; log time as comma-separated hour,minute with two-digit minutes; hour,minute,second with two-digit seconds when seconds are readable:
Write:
10,50,50
